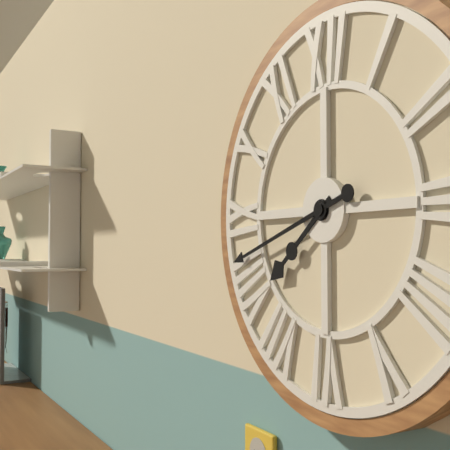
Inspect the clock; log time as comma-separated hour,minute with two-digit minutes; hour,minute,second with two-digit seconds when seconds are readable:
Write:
7,42
